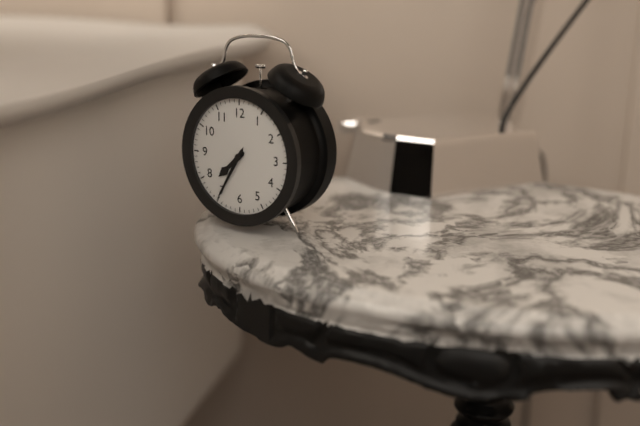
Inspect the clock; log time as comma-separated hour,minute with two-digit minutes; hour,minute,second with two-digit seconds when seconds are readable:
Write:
7,35
